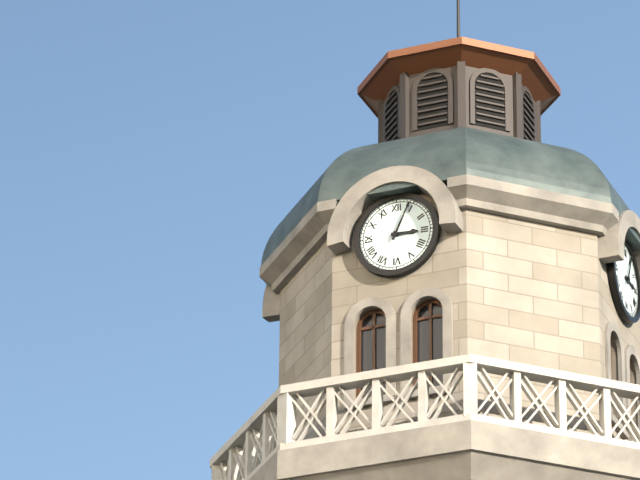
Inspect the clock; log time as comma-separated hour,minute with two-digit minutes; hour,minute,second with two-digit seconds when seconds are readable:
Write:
3,04
